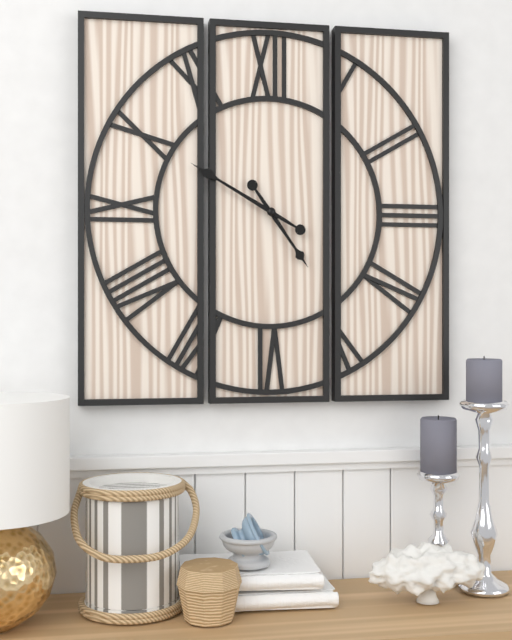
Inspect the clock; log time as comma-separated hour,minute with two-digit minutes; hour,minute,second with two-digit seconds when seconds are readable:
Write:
4,50
